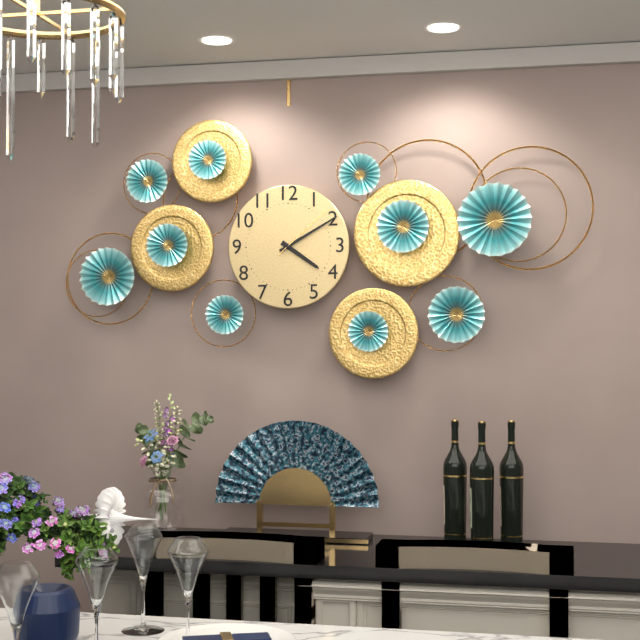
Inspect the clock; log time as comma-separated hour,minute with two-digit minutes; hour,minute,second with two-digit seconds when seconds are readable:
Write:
4,10,08
